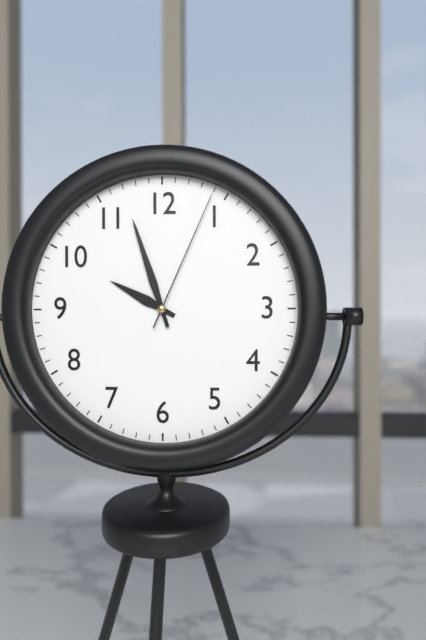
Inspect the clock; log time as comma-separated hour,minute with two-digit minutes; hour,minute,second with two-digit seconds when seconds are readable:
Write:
9,57,04
